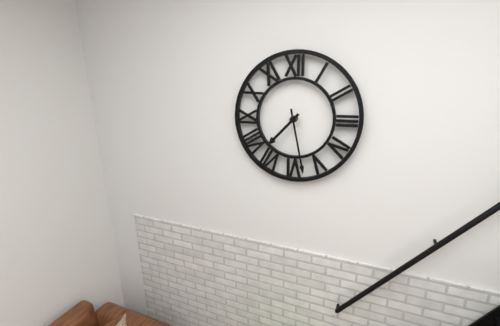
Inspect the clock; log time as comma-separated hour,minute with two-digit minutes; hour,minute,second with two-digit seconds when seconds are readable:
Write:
7,28
